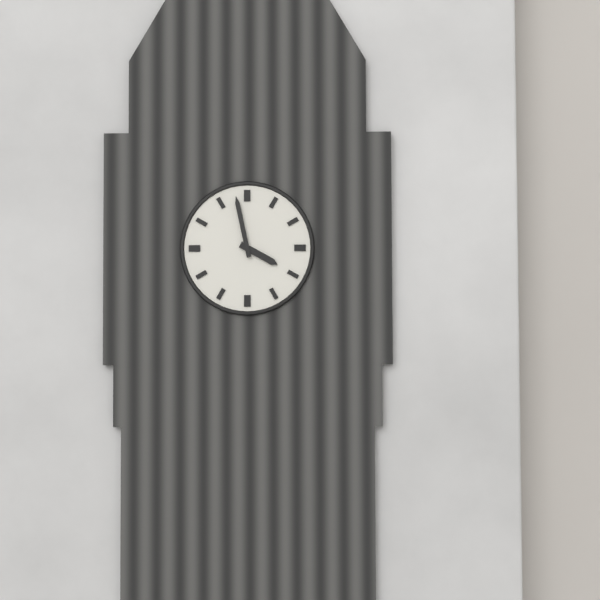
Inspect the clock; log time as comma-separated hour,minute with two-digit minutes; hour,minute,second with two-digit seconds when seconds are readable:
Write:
3,58
